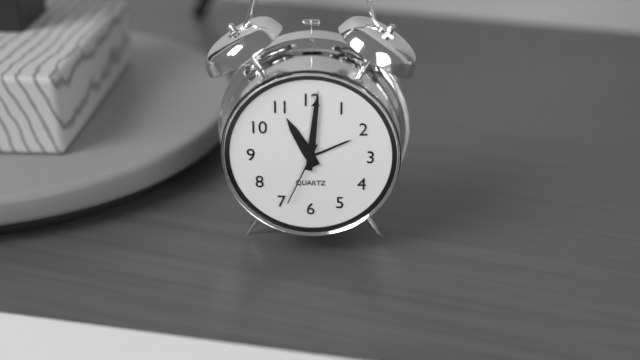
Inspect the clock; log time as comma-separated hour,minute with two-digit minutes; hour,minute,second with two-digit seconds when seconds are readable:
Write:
11,01,34
